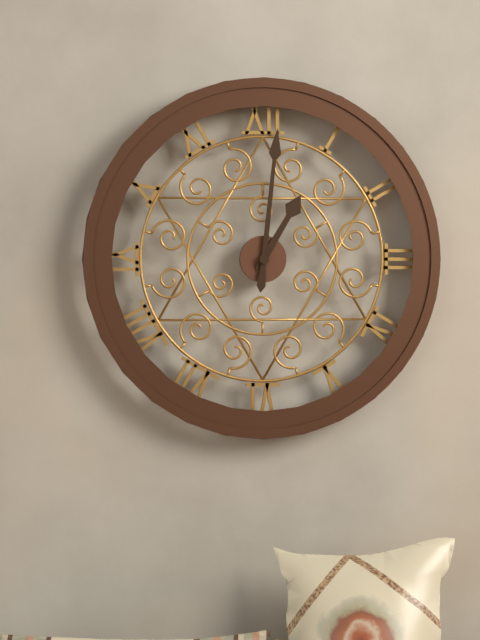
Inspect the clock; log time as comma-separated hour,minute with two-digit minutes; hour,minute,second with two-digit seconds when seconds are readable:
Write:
1,01
